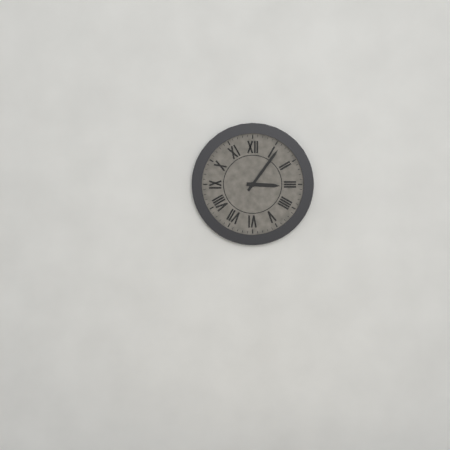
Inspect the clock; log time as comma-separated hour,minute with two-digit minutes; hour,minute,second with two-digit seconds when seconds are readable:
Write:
3,06
